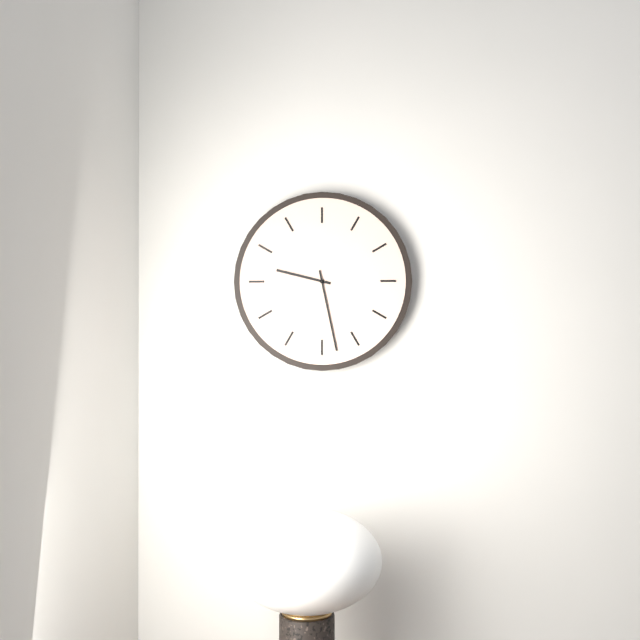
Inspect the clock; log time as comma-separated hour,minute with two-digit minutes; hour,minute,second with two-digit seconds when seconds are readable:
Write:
9,28
